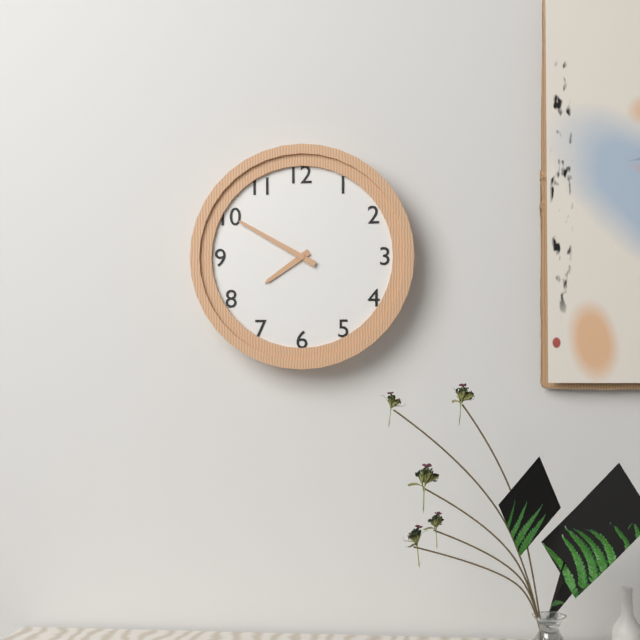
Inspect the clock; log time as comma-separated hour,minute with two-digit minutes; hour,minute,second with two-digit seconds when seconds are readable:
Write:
7,50
